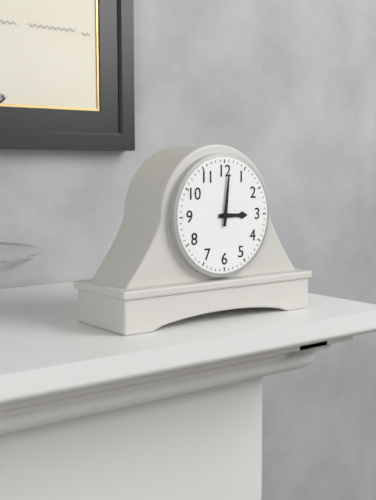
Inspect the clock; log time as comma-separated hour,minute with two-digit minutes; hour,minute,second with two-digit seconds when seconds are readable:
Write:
3,01
